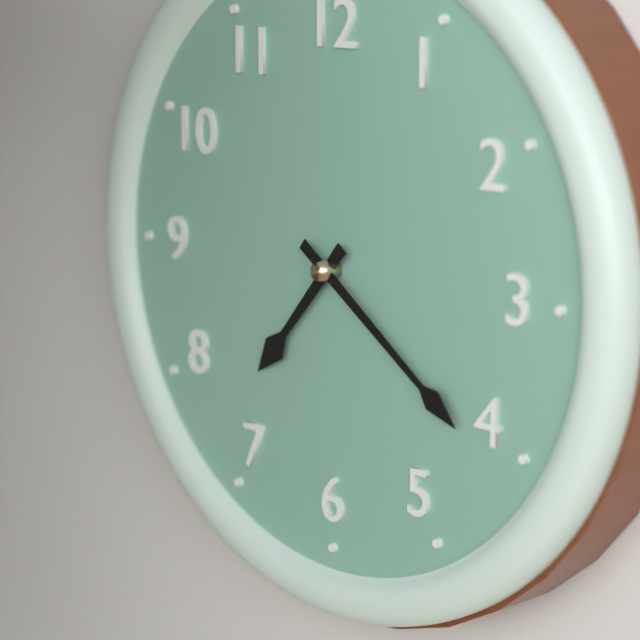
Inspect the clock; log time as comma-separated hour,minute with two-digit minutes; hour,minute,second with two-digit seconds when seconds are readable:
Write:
7,21
